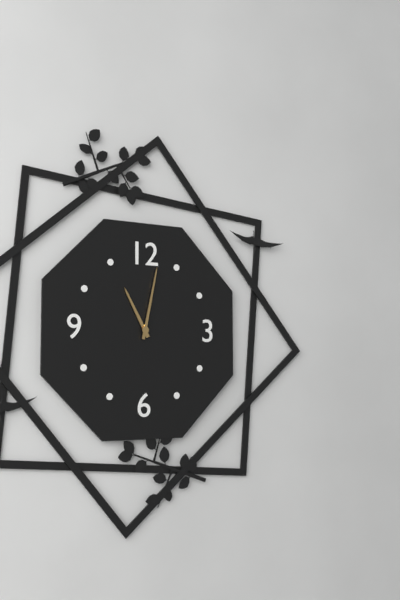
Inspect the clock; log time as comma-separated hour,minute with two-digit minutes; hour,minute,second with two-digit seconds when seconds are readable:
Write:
11,02
